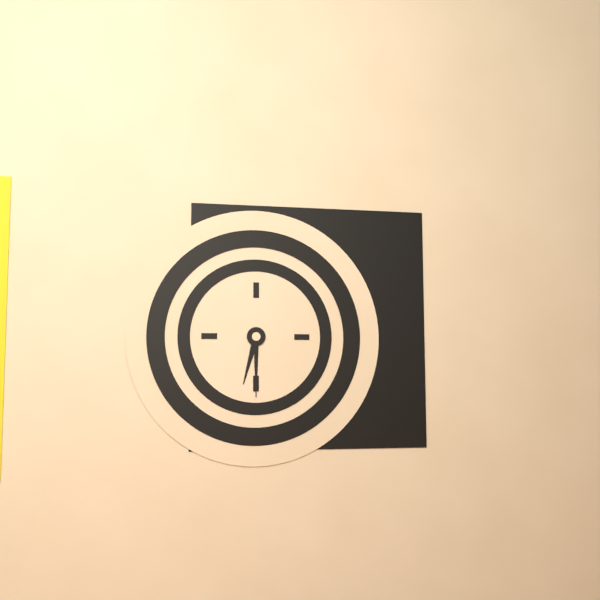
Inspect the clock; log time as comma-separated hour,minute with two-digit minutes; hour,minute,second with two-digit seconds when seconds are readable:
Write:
6,30
